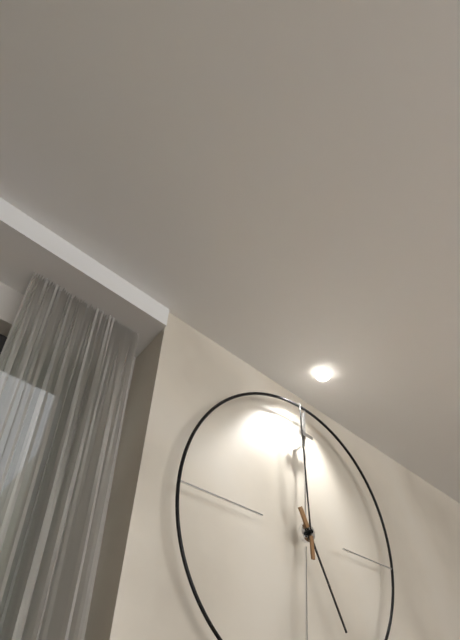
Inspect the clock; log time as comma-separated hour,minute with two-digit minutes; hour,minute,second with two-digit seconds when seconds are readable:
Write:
4,59
